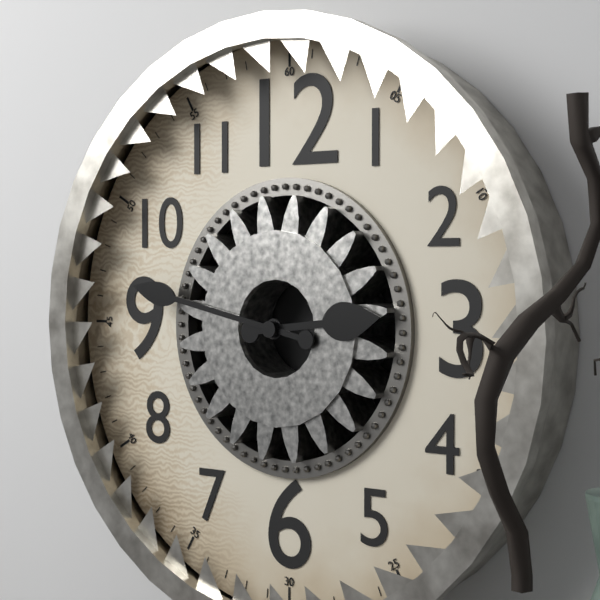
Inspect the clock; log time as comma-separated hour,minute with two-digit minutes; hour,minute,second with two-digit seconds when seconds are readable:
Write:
2,47
